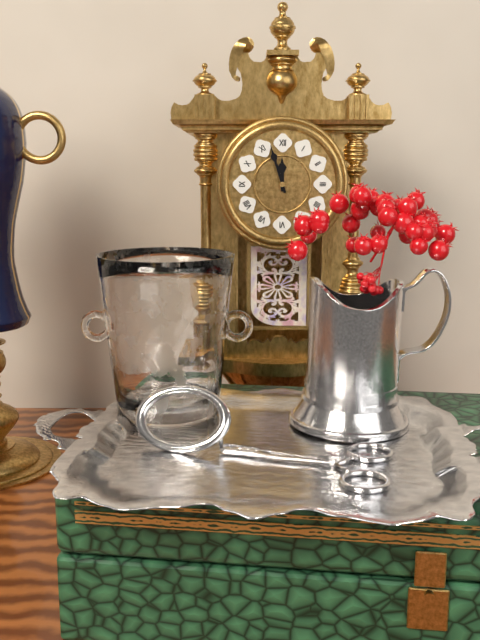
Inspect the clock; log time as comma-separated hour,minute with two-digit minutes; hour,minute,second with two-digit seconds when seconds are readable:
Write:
11,57
